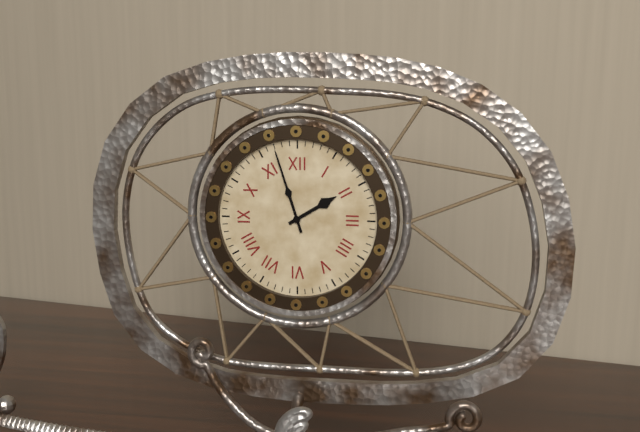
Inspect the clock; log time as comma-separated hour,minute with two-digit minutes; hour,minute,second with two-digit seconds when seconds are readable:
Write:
1,57
